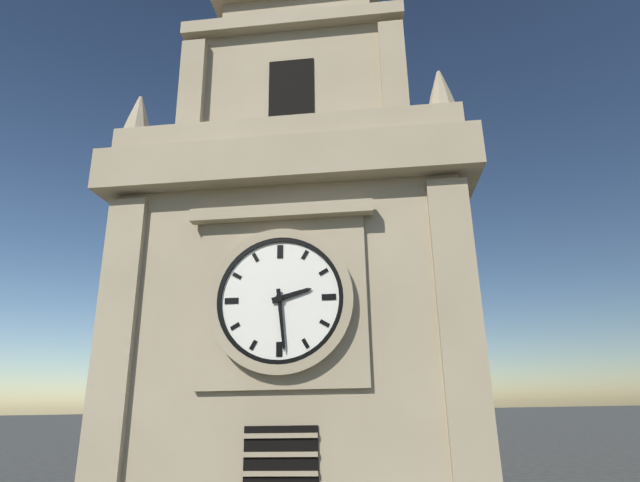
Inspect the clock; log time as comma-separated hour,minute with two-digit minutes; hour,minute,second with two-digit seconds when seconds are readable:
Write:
2,29
